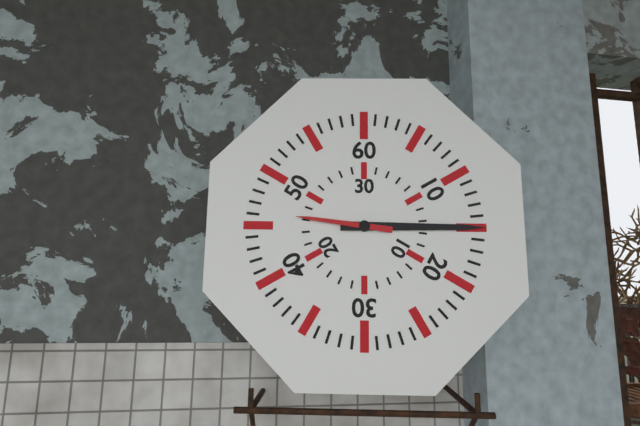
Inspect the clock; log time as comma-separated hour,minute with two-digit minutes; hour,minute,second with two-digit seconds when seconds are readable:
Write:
9,15
